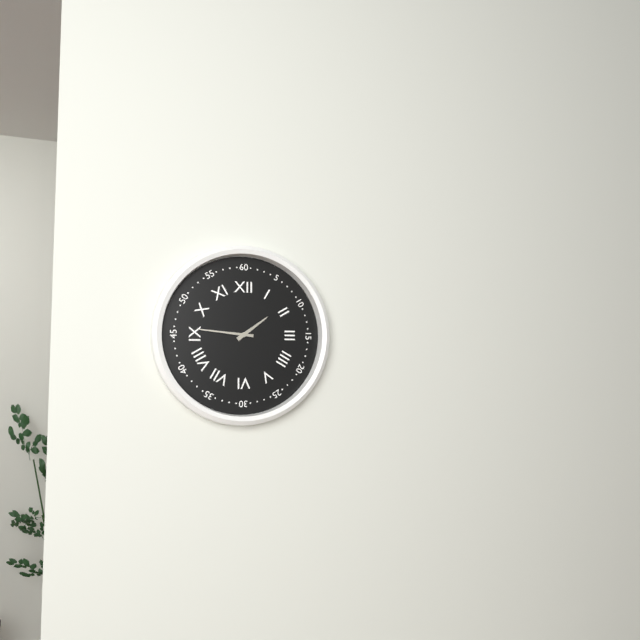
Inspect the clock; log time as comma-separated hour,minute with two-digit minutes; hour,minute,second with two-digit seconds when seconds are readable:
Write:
1,46
